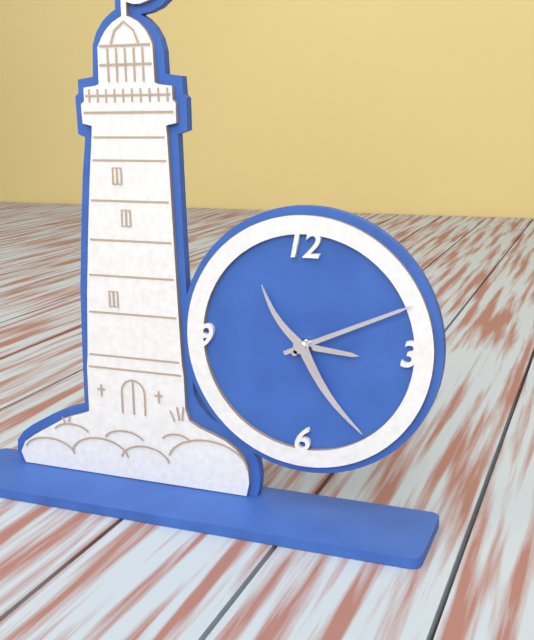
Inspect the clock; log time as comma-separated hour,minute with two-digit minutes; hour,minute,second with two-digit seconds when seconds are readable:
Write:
3,11,24
